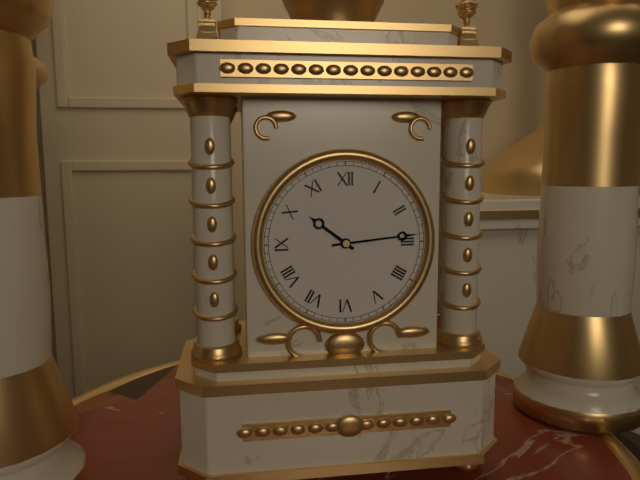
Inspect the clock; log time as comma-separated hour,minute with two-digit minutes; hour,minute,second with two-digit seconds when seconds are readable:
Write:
10,14
